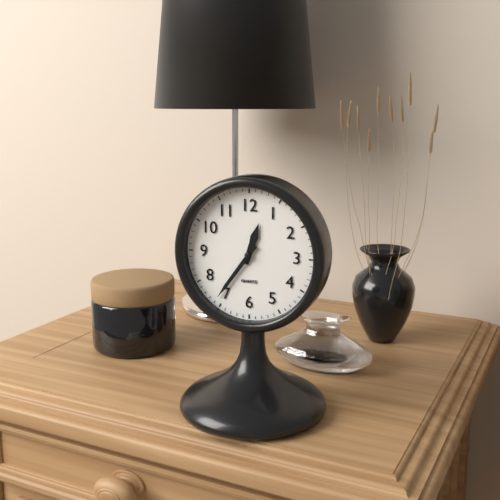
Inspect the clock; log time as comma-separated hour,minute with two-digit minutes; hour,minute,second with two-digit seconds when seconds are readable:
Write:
12,36
